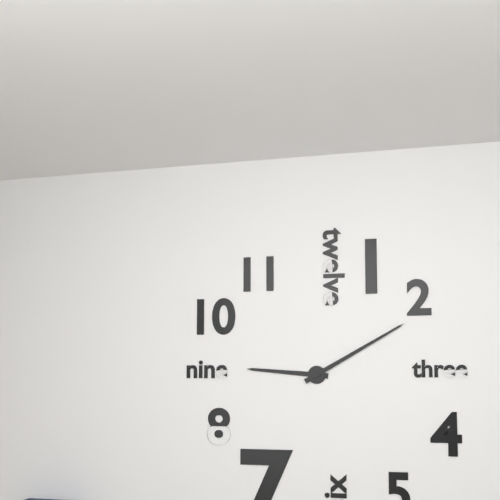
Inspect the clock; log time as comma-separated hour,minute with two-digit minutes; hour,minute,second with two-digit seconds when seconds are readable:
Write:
9,10
